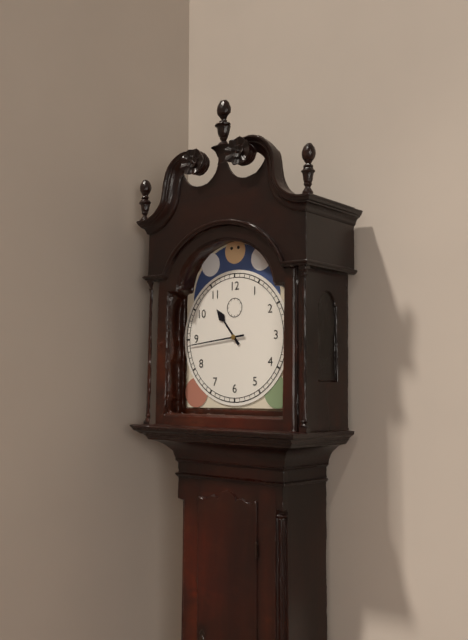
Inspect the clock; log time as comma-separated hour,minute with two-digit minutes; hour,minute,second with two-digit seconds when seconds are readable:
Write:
10,44
